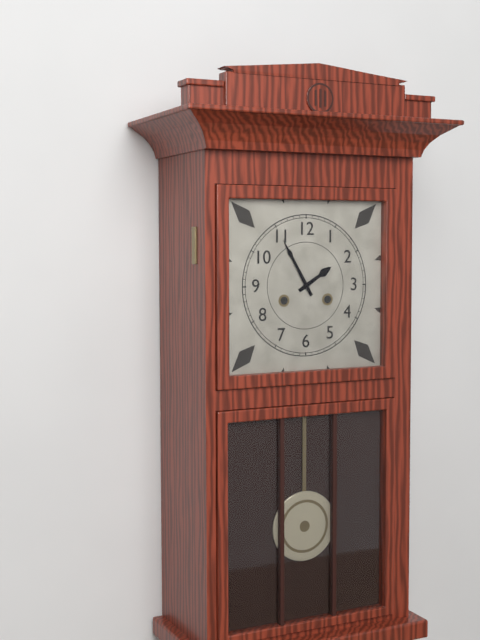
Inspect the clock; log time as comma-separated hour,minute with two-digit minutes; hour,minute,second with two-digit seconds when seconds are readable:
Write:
1,55
